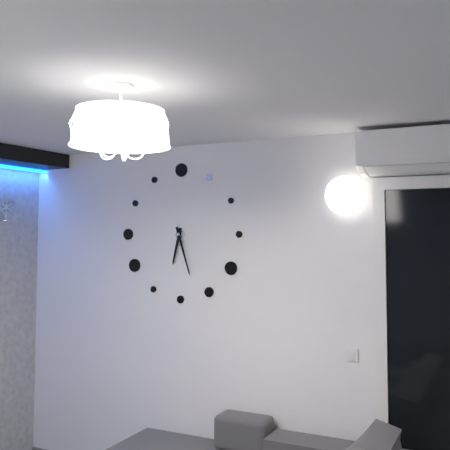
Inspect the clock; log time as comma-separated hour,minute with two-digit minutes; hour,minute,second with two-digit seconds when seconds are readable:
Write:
6,27
